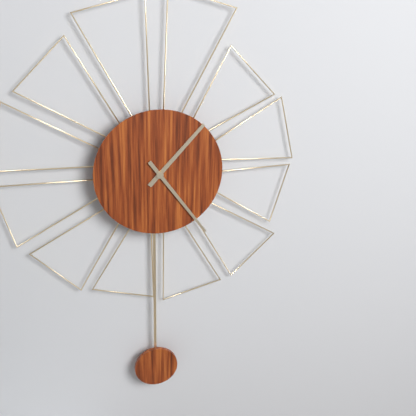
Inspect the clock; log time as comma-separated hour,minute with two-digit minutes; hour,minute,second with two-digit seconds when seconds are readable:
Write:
1,24
